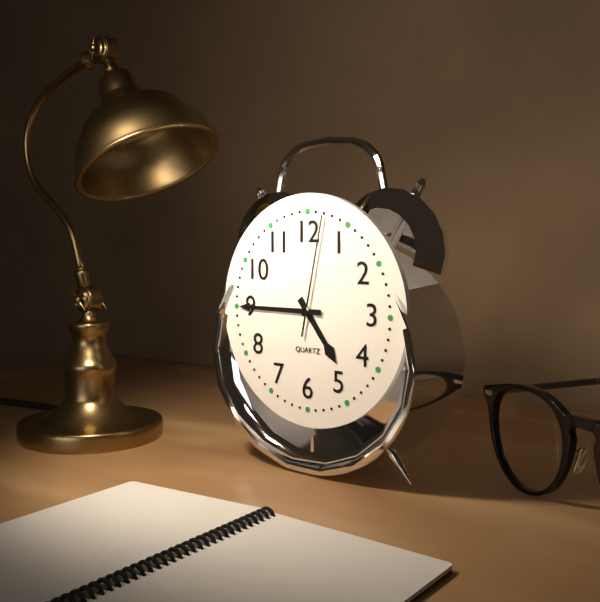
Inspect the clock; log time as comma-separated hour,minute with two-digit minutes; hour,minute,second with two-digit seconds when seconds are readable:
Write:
4,45,02
